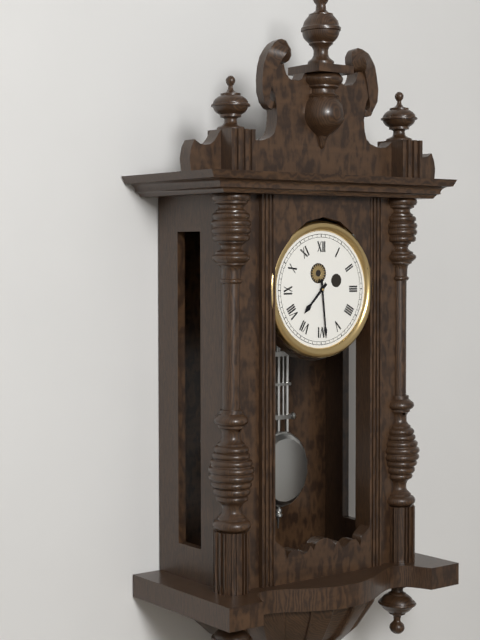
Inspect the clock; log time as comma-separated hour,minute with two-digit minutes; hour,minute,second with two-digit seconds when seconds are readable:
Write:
7,29
